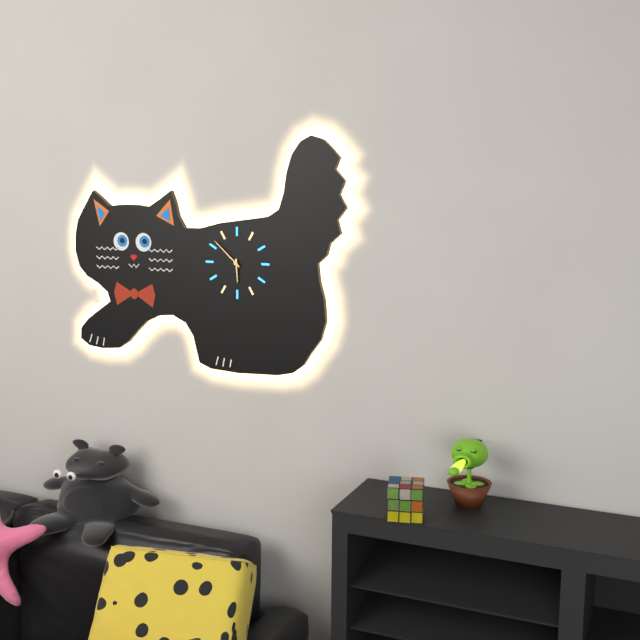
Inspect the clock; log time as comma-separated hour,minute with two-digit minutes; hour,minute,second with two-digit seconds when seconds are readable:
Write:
5,52
